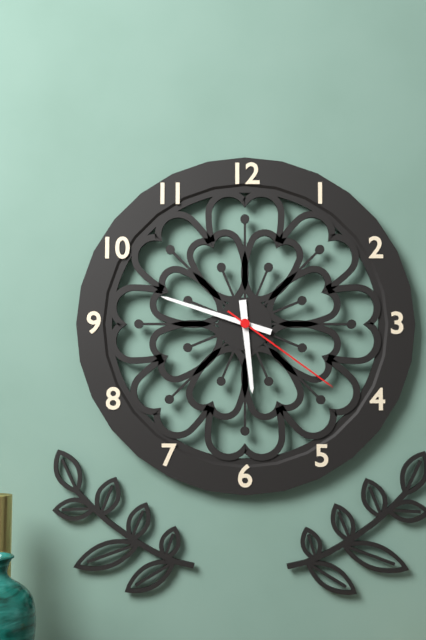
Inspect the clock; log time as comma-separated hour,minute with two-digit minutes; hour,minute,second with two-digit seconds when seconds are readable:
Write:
5,48,21
